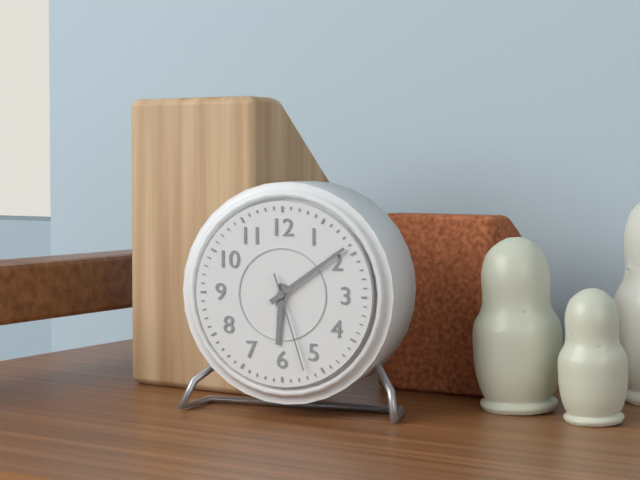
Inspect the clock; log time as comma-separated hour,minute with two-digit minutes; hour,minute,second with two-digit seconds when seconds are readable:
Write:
6,09,27
